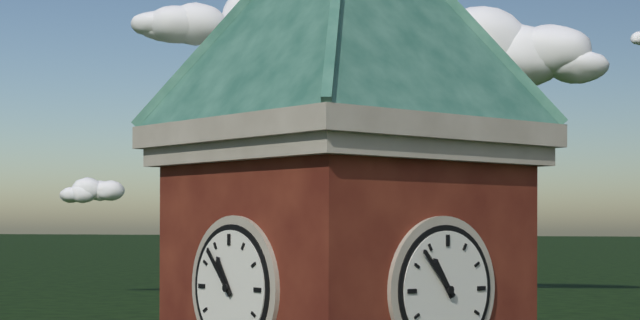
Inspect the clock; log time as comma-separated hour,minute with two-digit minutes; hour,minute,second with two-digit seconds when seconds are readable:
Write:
10,53
